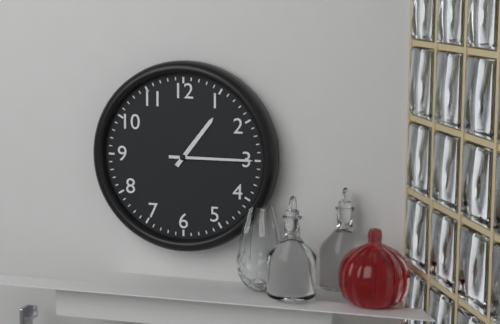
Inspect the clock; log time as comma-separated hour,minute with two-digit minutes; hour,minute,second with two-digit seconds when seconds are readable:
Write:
1,15
